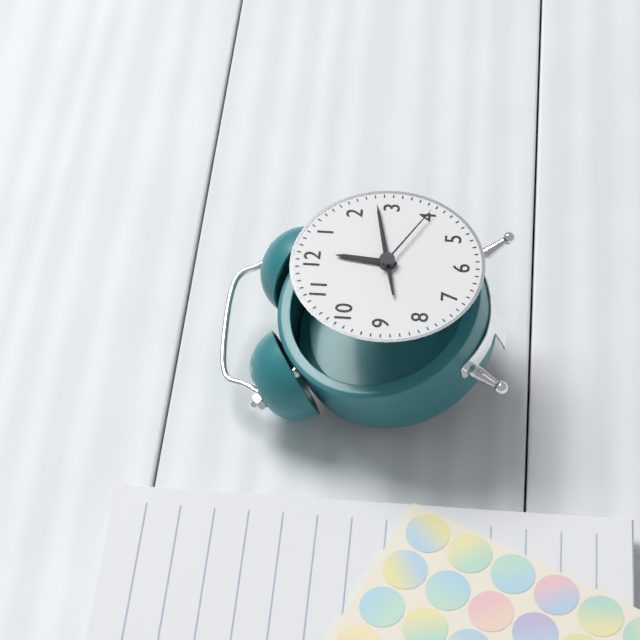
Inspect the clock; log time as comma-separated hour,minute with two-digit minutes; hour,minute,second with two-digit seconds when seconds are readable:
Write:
12,13,20
